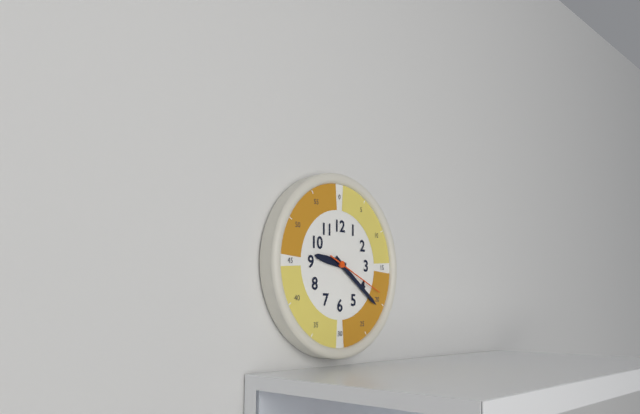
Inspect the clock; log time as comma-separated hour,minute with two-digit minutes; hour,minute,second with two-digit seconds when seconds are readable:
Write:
9,21,19
